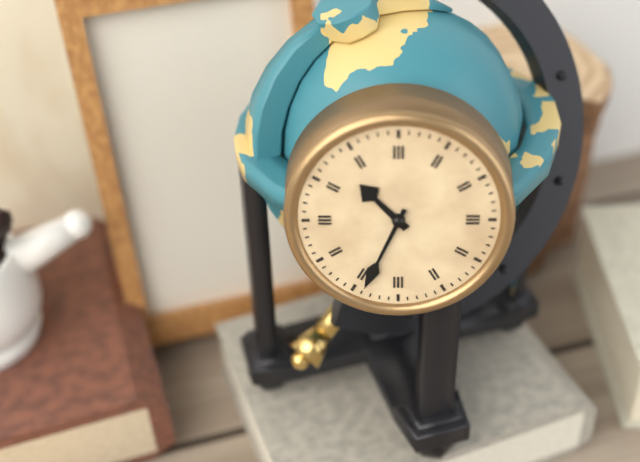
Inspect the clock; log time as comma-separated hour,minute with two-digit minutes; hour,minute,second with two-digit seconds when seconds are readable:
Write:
10,34
